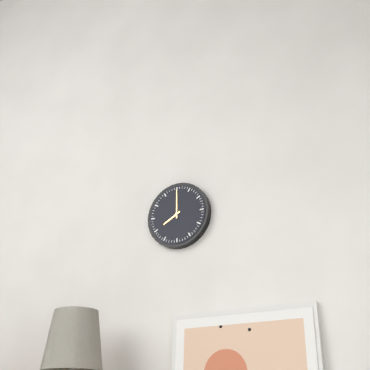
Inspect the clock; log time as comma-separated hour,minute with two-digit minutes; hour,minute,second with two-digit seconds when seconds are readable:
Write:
8,00
